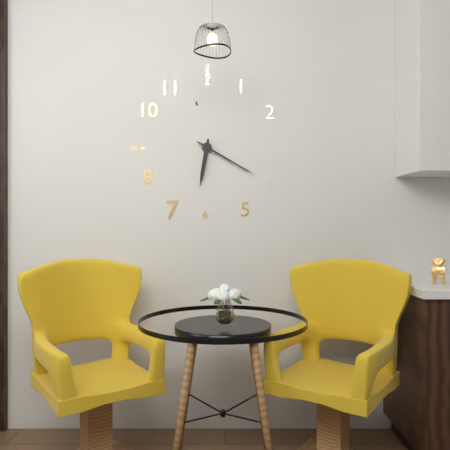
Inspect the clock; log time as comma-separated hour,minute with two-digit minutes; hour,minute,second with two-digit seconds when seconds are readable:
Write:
6,20
